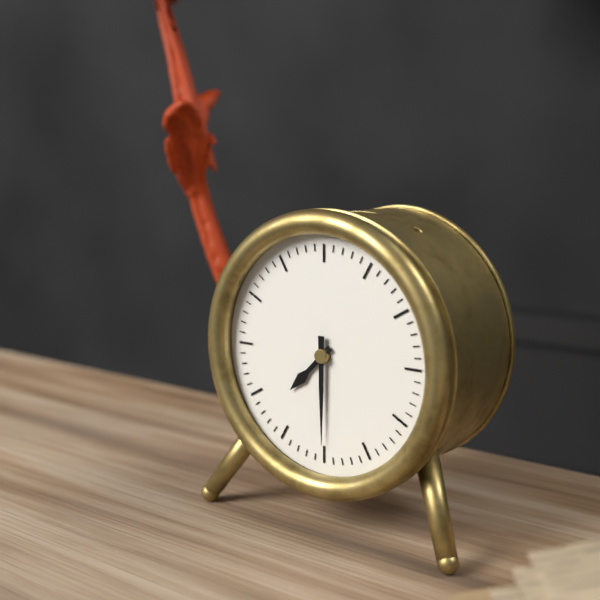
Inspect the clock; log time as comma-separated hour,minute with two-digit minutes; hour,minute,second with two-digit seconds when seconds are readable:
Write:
7,30
